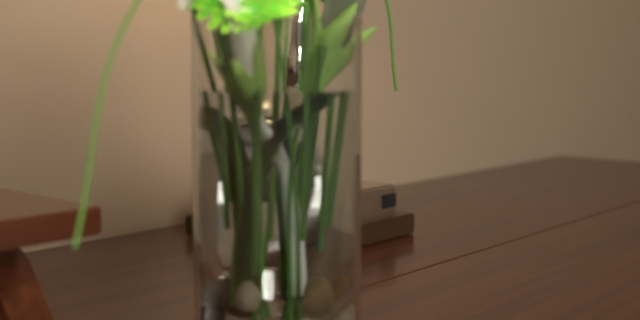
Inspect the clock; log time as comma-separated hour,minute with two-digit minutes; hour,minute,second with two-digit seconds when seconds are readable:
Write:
2,16
